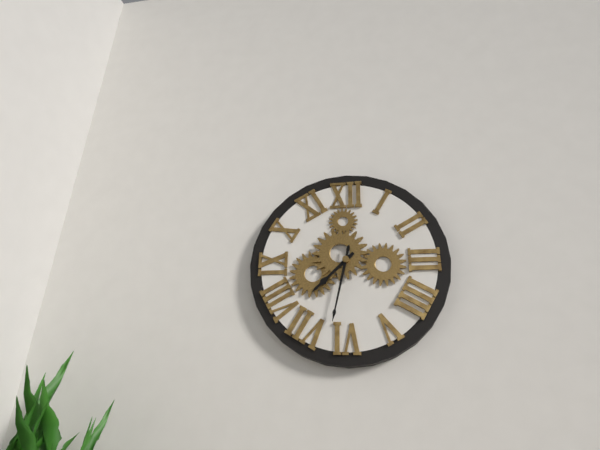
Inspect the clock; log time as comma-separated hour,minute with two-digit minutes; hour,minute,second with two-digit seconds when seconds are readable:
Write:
7,32
